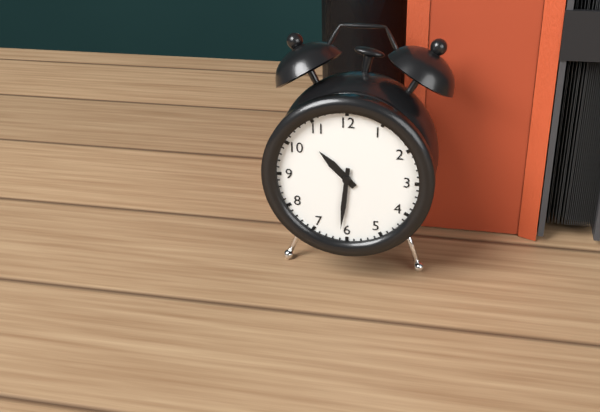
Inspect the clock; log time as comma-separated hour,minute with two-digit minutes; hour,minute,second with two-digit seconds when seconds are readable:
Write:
10,31
